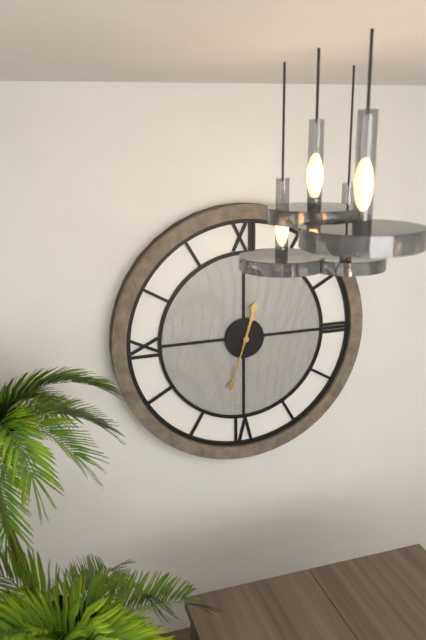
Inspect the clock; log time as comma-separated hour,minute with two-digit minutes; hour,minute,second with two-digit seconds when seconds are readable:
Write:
12,33
